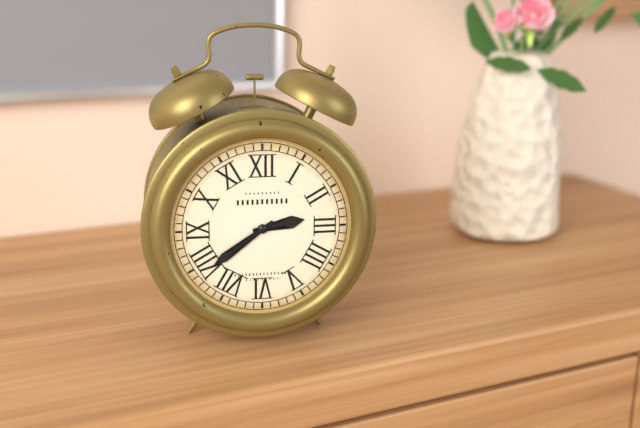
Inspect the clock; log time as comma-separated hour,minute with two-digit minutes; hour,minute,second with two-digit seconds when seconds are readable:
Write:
2,39
